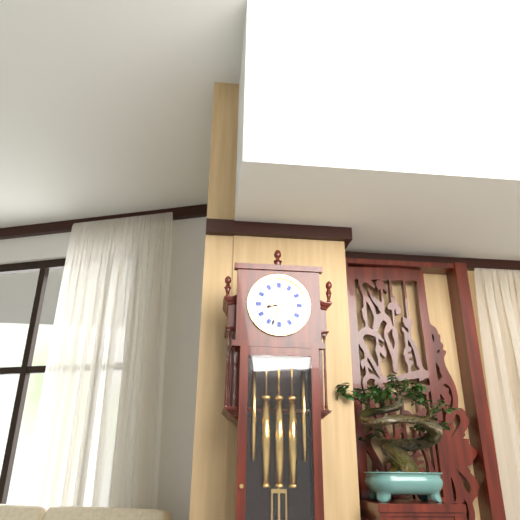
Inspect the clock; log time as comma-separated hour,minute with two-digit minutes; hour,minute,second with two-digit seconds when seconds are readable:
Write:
8,33
